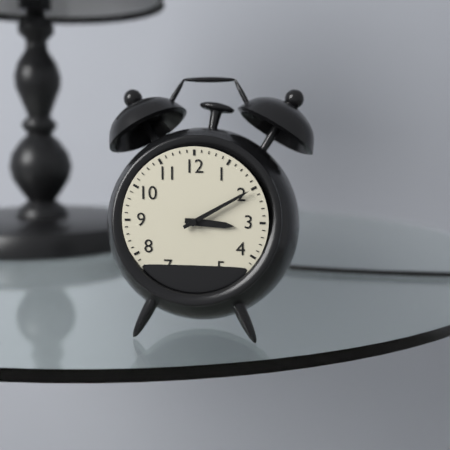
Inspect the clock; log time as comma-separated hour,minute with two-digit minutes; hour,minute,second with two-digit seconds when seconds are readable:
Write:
3,10
